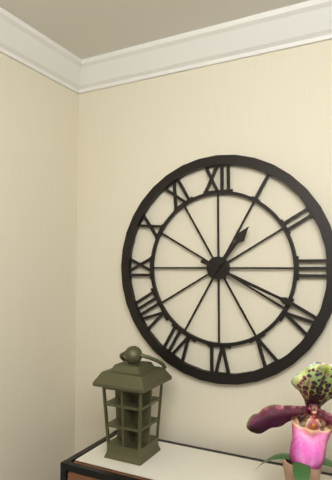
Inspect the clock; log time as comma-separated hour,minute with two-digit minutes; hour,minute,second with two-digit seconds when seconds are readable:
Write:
1,19
